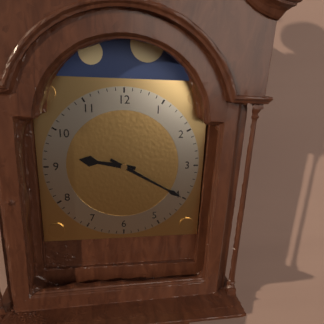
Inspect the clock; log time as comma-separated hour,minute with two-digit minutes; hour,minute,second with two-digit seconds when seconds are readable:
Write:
9,20
